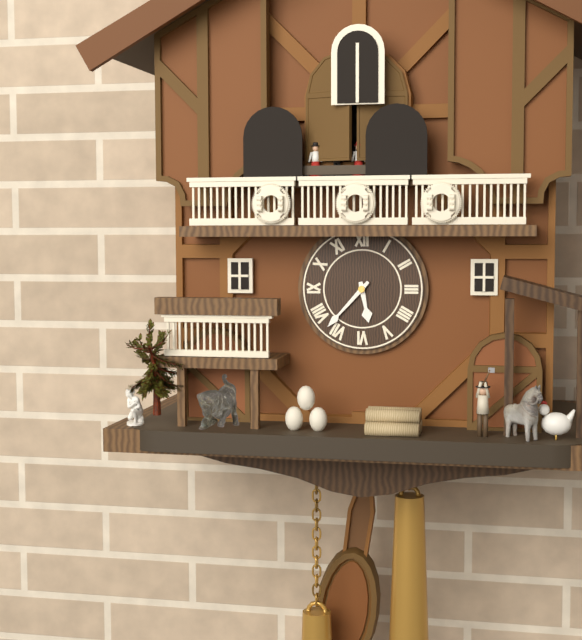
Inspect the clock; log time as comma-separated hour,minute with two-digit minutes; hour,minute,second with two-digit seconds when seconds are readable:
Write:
5,37
